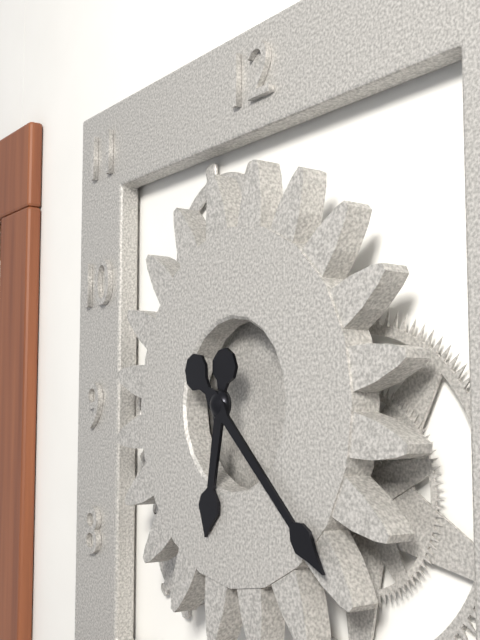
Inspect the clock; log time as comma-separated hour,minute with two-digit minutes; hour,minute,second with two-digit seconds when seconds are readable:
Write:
6,22
